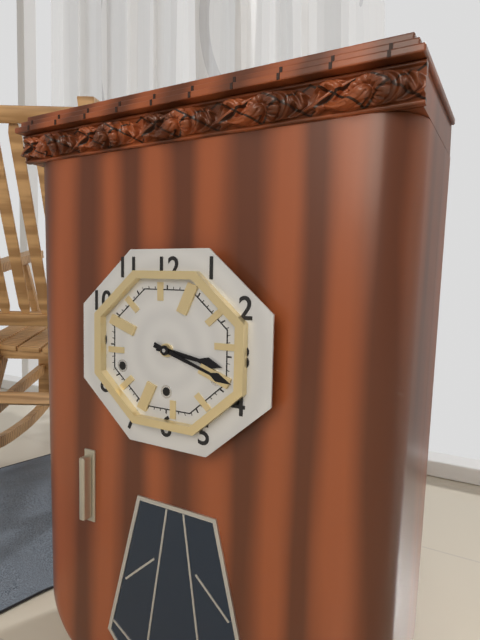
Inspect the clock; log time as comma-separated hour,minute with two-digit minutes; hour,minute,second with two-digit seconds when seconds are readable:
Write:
3,18
